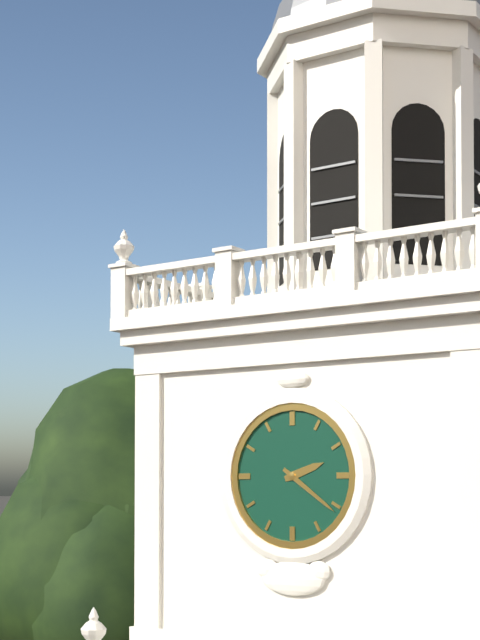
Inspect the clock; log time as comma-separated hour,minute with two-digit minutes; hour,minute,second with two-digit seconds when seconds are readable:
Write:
2,21
